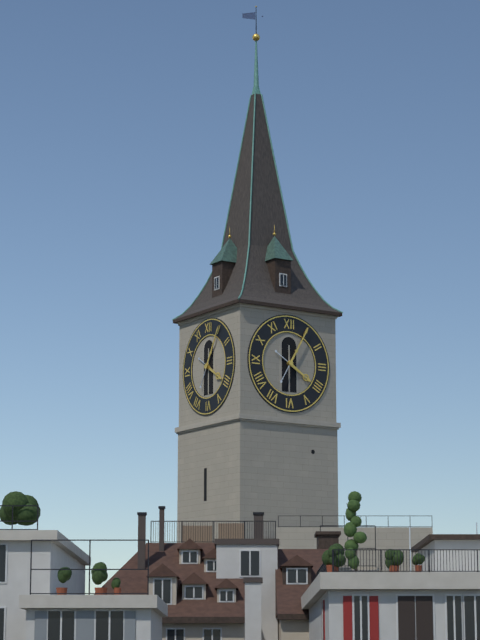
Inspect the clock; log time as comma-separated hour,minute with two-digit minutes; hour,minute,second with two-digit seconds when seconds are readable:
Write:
4,05
